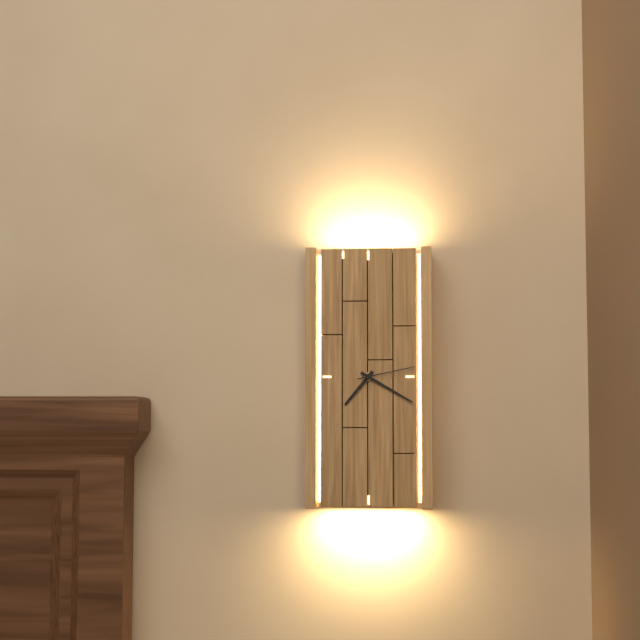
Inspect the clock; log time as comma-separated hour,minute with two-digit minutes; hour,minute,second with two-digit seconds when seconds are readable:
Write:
7,20,13
